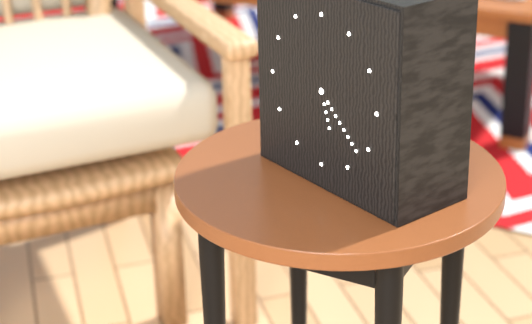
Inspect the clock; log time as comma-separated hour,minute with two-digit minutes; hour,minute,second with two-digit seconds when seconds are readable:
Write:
5,22
